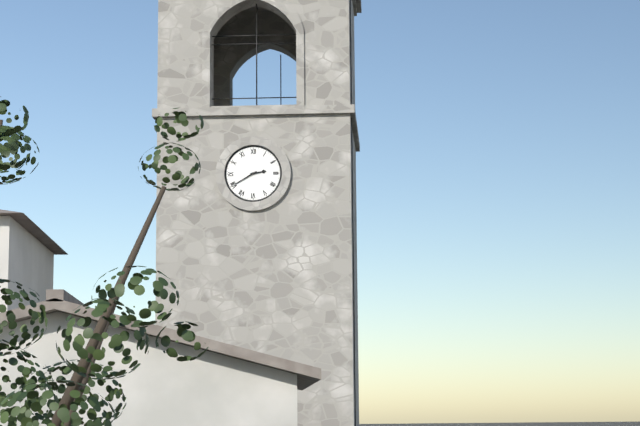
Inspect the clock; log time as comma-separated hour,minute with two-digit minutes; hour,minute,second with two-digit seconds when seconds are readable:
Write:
2,40
